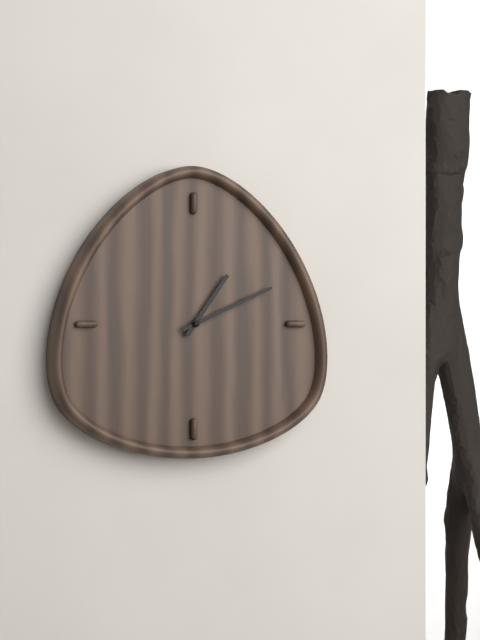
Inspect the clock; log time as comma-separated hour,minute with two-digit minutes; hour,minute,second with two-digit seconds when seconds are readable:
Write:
1,11
